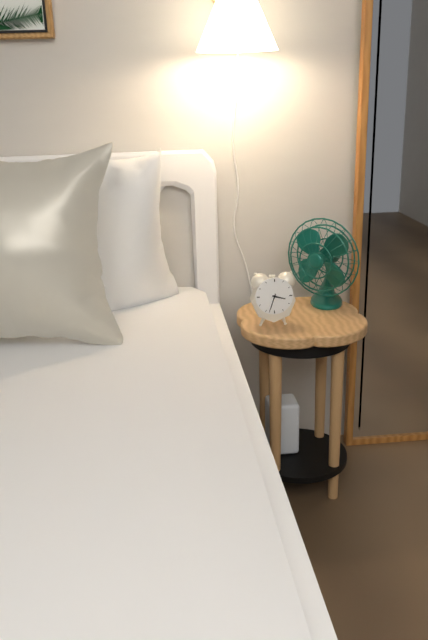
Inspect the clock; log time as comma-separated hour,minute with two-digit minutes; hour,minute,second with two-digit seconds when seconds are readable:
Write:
3,33
